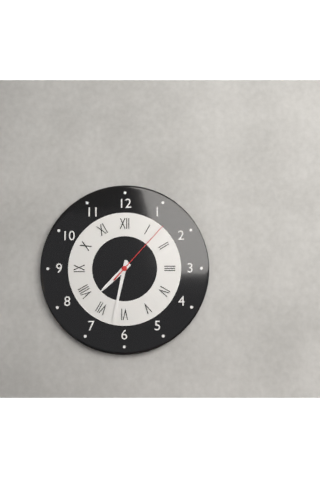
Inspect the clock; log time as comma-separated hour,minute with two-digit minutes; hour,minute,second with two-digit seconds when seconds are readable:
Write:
7,32,07
